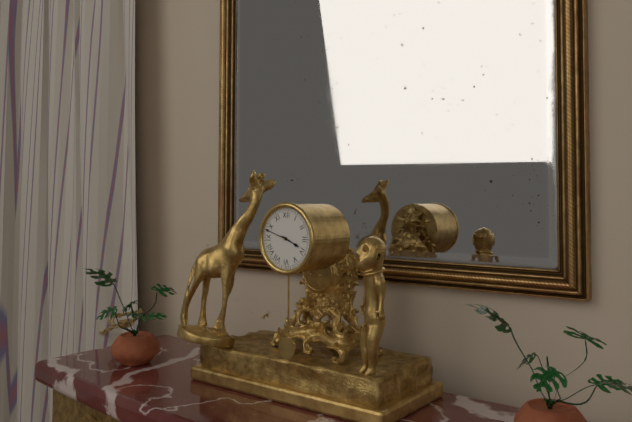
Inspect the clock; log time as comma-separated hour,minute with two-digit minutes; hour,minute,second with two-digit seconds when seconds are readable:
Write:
3,48
